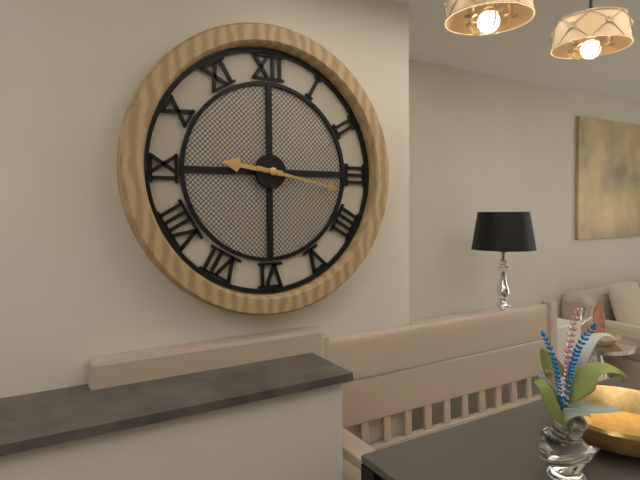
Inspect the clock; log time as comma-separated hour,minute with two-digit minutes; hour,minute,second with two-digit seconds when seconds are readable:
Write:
9,17
